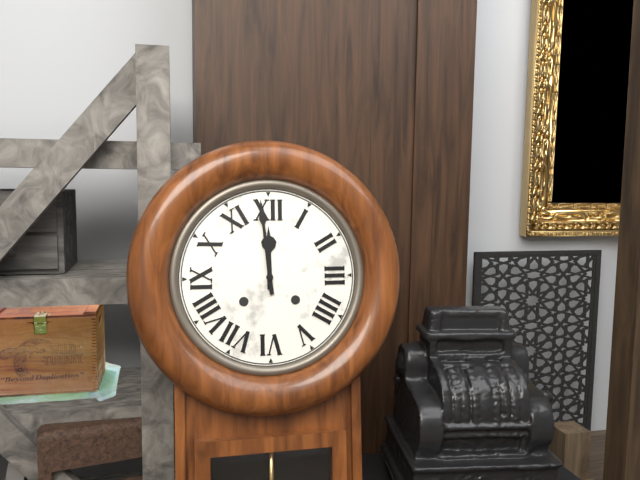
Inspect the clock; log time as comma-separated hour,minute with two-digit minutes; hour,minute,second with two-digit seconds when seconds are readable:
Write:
11,59
